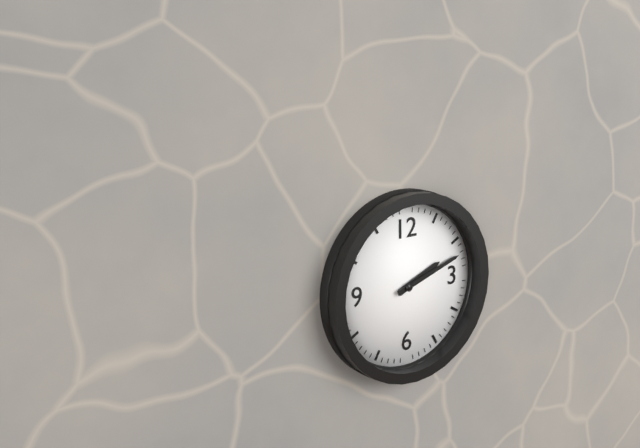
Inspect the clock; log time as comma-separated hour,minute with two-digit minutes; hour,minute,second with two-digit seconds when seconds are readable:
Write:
2,12
